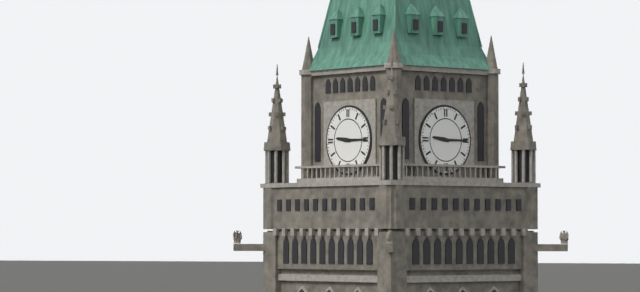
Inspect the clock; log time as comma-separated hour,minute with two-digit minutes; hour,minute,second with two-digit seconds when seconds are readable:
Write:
9,15
